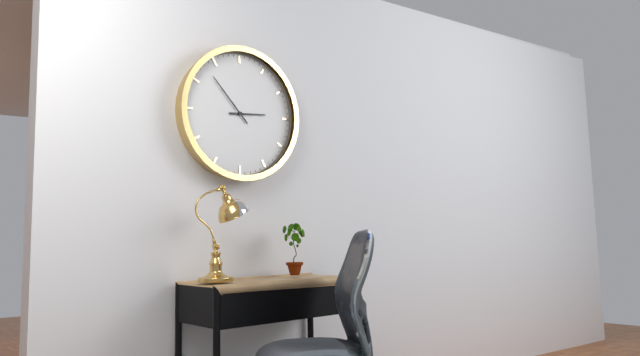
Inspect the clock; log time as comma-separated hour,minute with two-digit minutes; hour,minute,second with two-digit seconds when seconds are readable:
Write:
2,53
